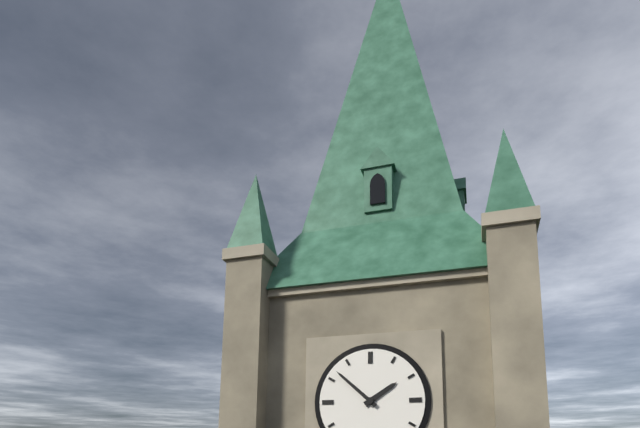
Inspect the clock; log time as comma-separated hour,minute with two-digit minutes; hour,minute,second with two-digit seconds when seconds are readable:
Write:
1,52
